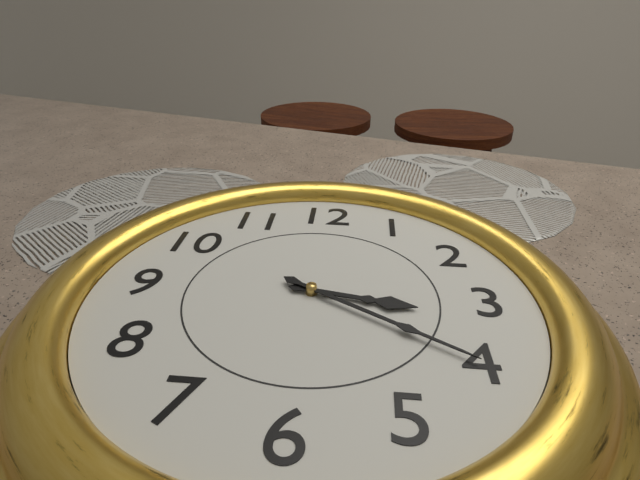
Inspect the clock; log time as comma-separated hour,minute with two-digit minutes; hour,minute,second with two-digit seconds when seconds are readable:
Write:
3,20
